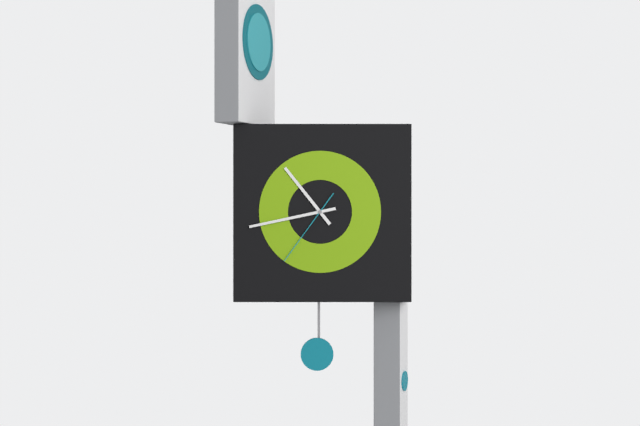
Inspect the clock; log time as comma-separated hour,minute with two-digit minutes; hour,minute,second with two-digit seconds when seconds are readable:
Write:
10,43,36
